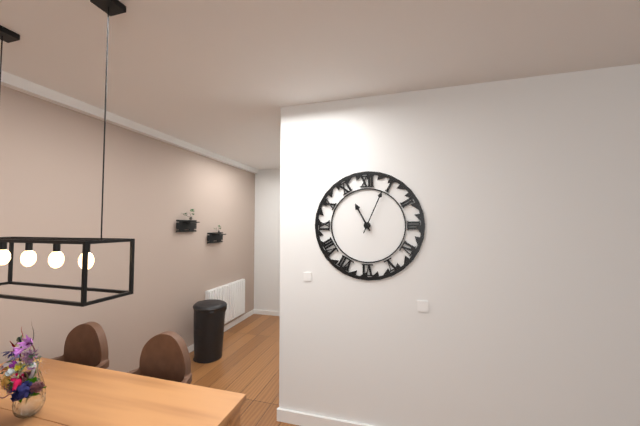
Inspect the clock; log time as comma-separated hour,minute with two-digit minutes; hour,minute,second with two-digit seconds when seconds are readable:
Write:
11,04
